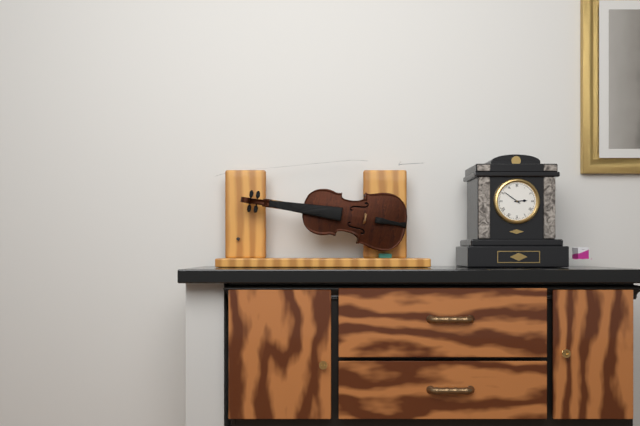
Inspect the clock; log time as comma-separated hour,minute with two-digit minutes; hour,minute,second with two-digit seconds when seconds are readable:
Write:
2,51
